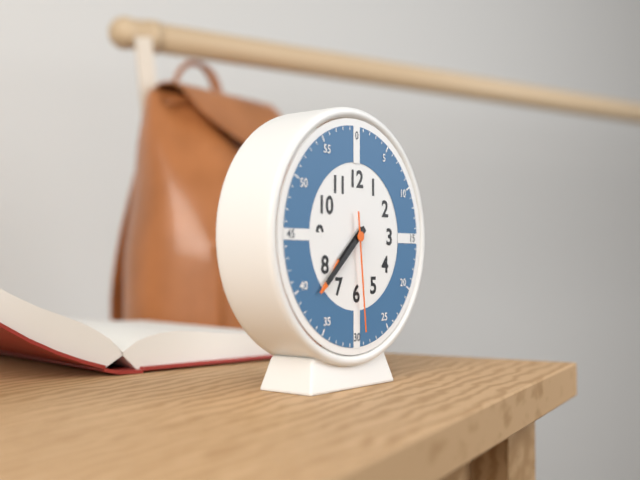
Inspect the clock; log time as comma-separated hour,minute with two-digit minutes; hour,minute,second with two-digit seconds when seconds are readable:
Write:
7,38,29
